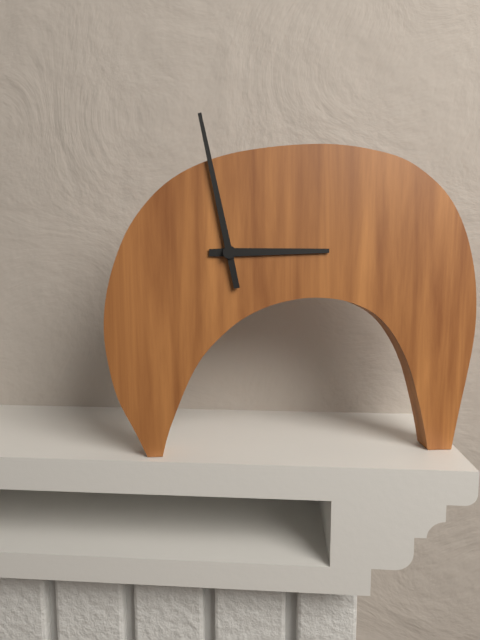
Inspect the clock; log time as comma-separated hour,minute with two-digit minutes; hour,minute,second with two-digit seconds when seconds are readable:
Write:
2,58
